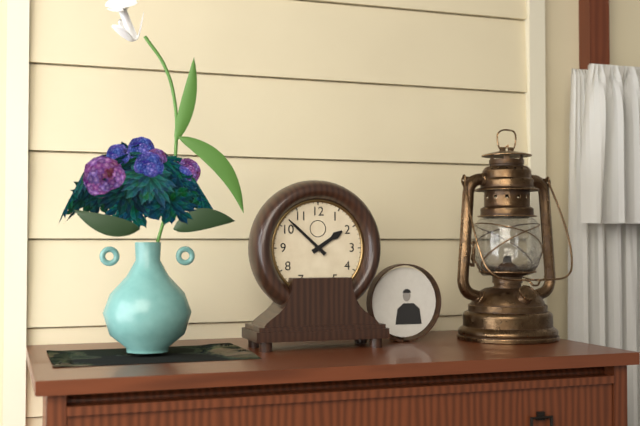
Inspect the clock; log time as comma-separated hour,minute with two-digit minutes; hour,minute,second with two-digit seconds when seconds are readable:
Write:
1,52
